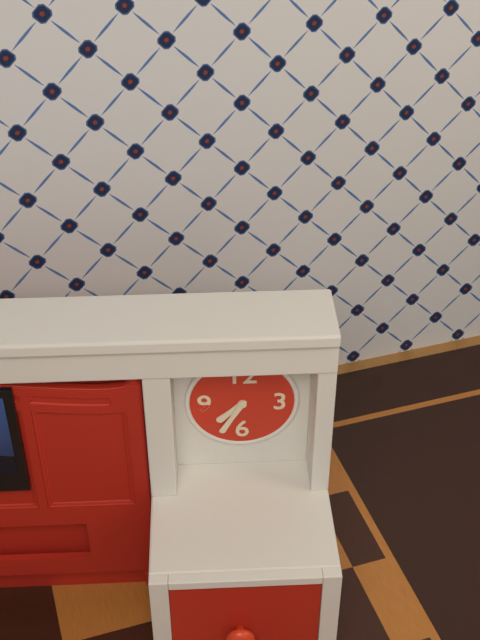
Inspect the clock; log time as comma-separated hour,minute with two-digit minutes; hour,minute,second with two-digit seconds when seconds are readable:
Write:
7,35
